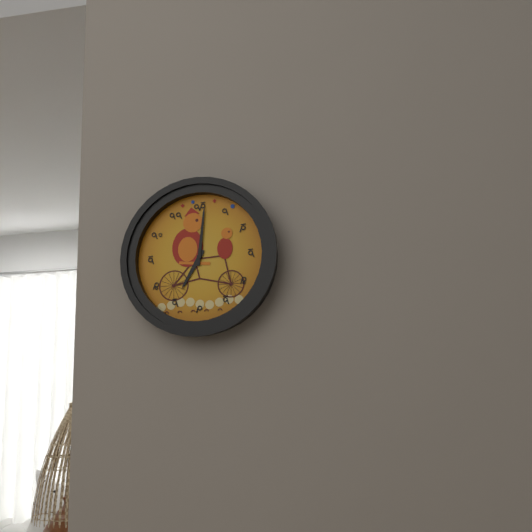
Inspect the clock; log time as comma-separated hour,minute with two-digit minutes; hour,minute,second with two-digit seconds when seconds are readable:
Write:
7,01
